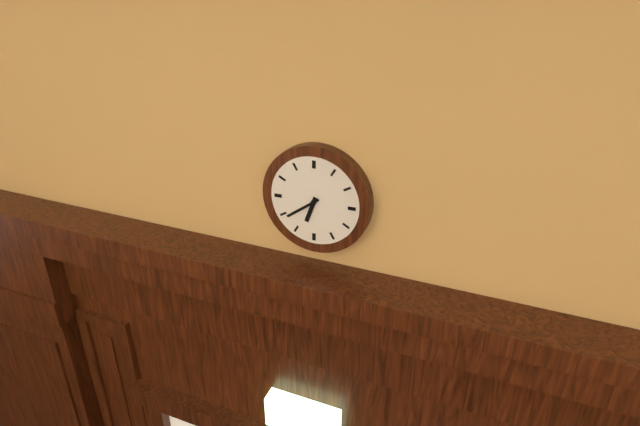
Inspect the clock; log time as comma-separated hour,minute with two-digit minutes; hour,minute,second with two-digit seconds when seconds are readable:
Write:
6,39
